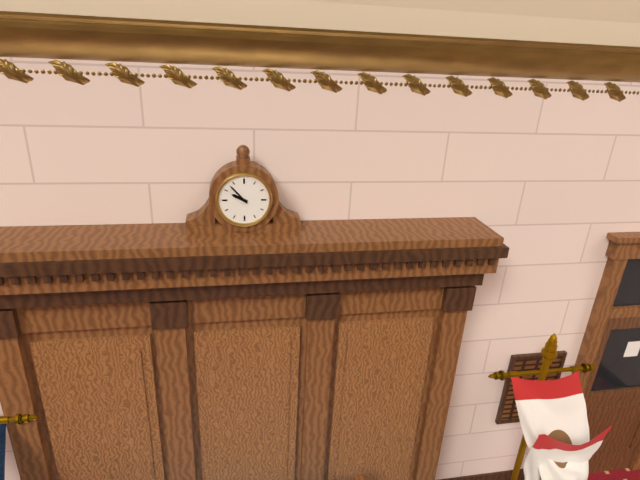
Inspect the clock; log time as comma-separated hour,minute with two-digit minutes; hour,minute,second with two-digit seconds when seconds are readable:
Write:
9,53
